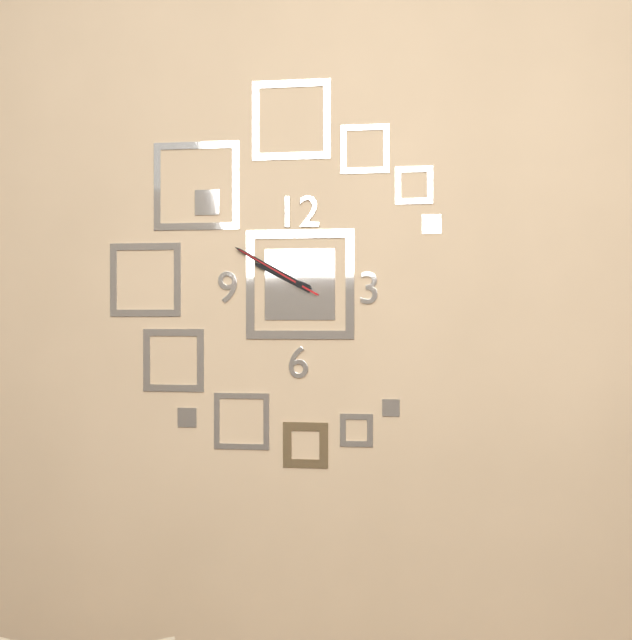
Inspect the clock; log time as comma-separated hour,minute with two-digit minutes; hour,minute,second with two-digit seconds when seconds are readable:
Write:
9,50,50
